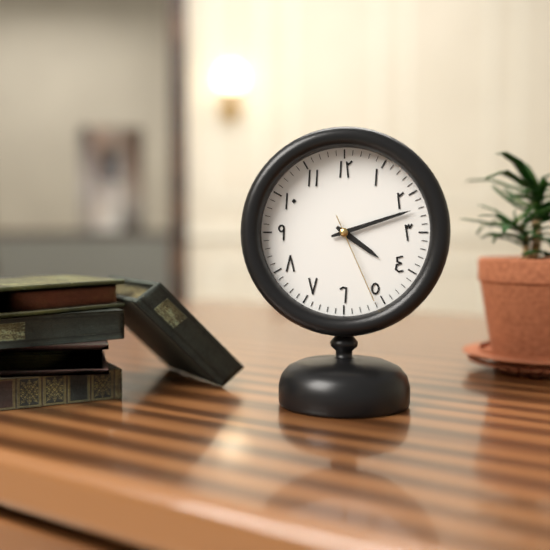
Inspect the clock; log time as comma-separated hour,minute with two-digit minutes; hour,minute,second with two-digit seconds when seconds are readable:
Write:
4,12,26
